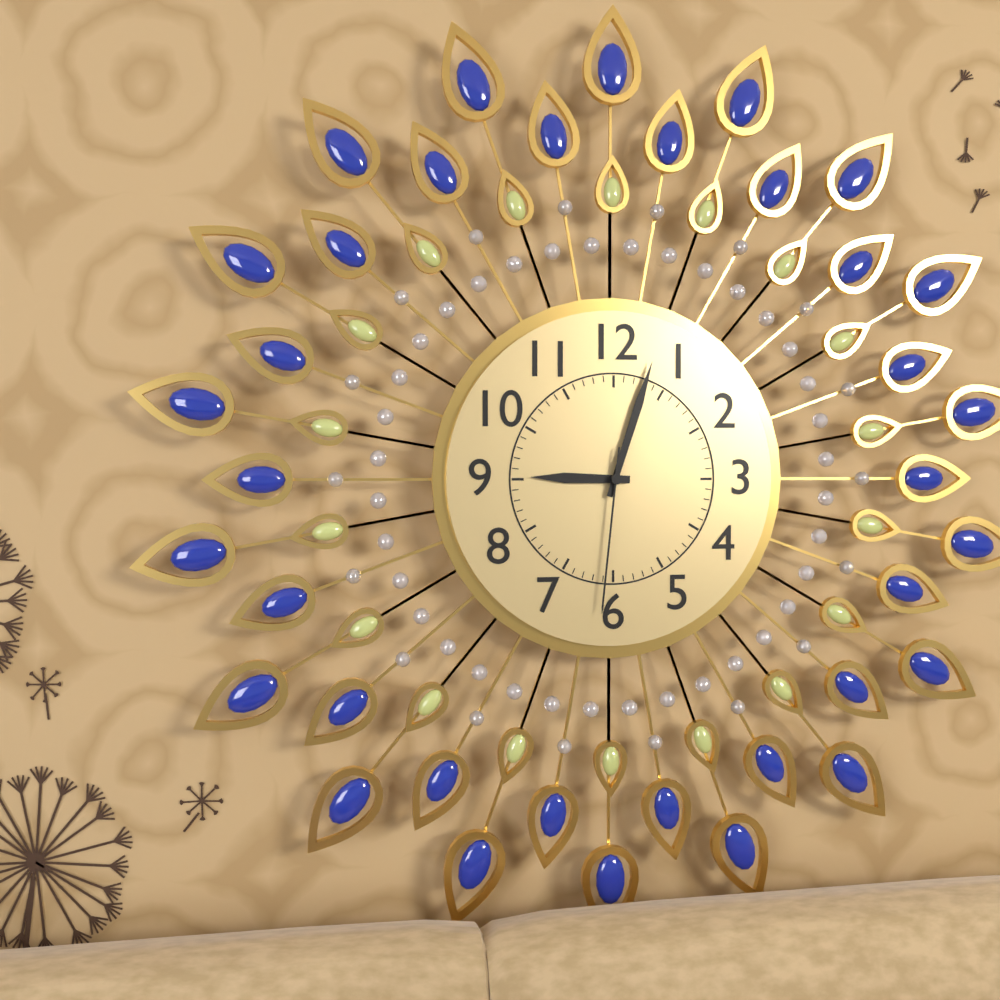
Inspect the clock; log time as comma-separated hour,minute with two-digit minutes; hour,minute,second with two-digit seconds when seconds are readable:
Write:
9,03,31
